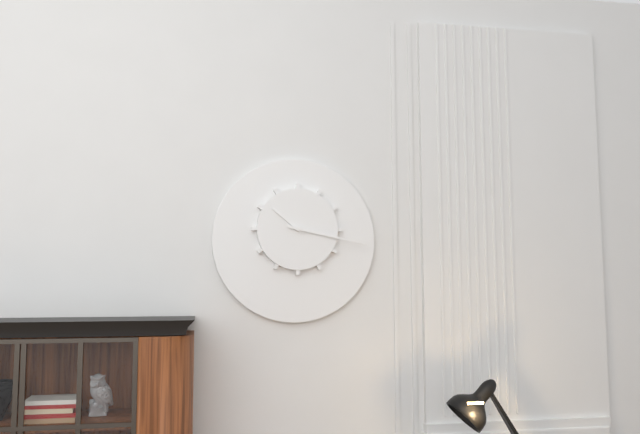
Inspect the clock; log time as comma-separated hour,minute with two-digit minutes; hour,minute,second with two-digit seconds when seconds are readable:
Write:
10,17
